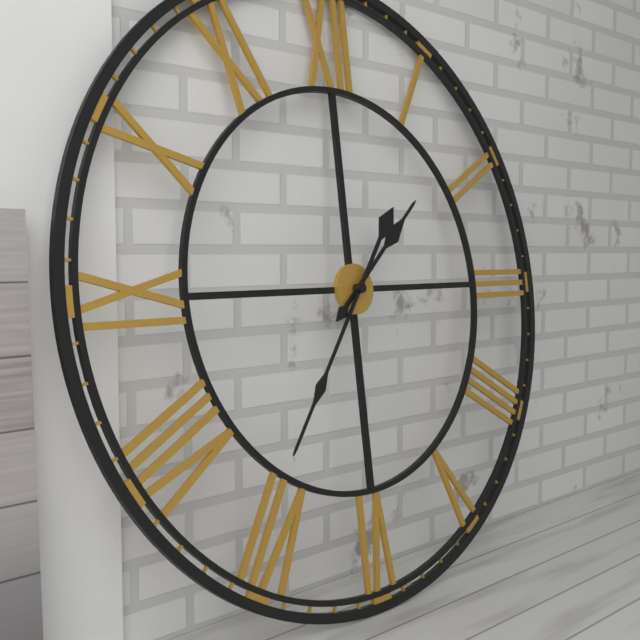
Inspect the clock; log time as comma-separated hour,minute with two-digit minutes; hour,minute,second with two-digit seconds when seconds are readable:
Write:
1,36
